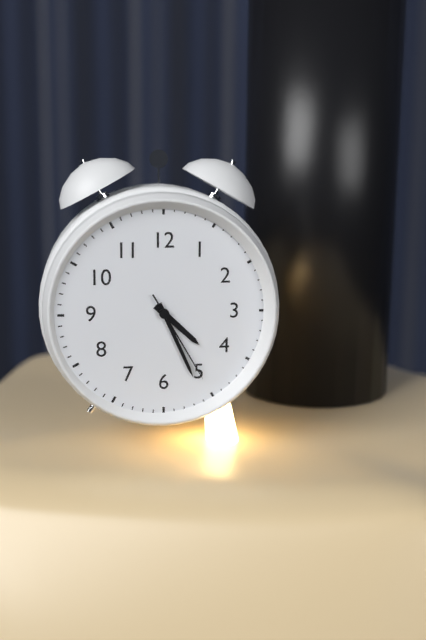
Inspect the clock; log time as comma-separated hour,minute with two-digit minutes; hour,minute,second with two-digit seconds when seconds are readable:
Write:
4,26,25
